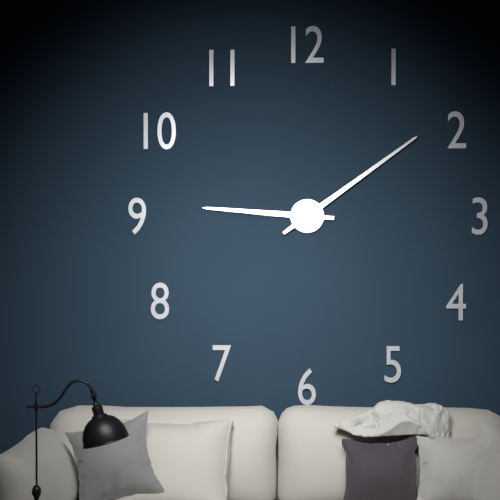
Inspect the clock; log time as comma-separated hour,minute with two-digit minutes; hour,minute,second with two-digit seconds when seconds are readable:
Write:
9,09
